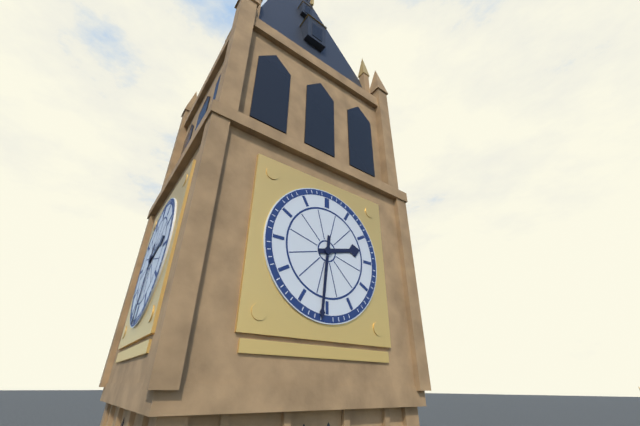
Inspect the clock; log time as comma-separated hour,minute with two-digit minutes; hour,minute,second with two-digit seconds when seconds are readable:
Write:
2,31
